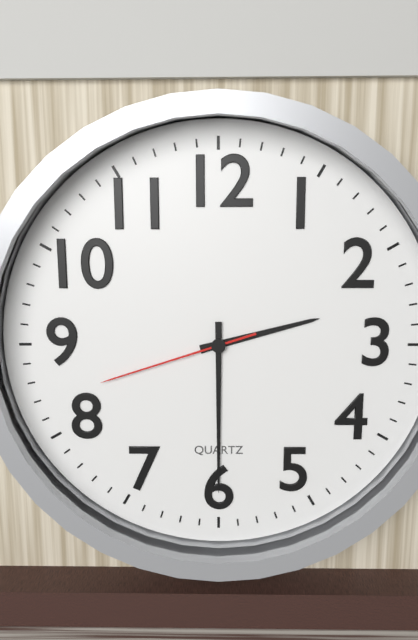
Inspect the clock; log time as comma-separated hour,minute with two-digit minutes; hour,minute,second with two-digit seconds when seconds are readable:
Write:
2,30,42
